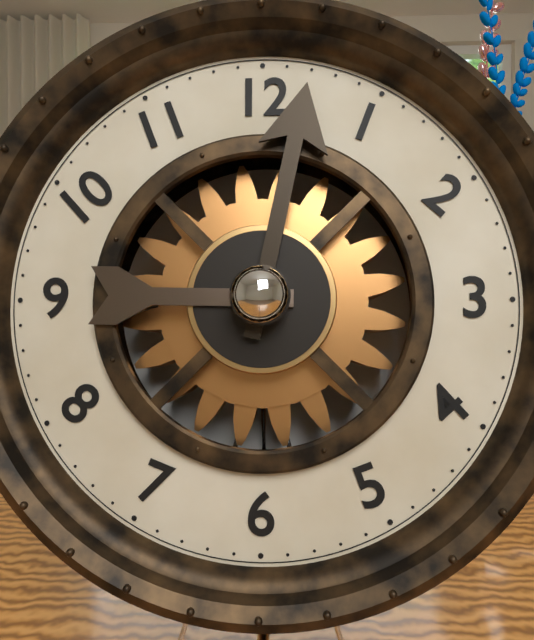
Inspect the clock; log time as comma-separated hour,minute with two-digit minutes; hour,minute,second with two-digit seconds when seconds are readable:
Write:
9,02
